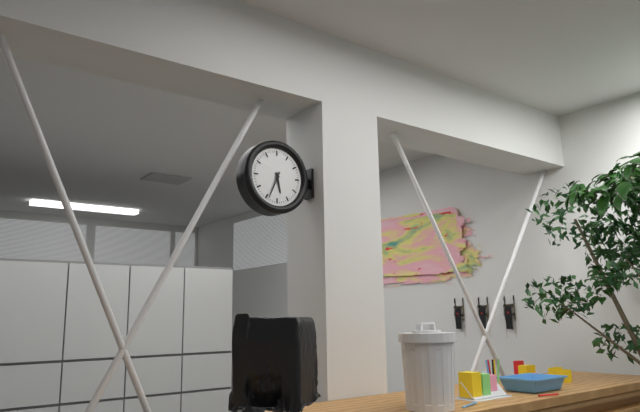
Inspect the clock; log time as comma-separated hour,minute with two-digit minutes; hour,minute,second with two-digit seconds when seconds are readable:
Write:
5,34
